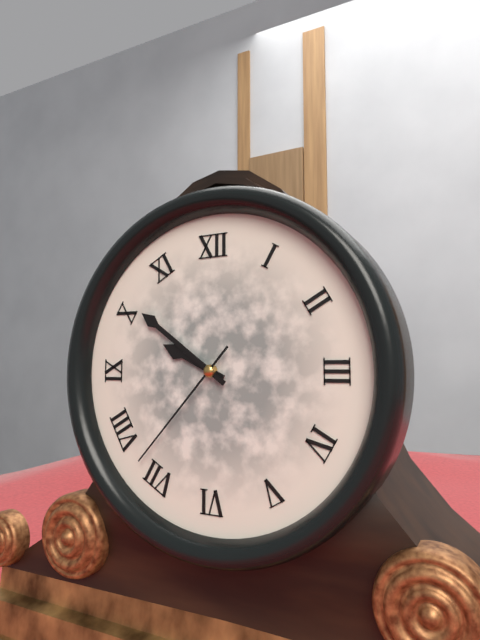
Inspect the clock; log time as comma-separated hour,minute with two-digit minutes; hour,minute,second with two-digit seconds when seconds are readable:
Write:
9,51,37
